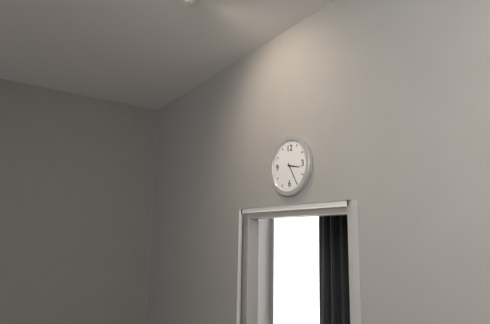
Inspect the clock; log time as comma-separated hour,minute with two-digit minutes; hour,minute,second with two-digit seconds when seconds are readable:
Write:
3,25
